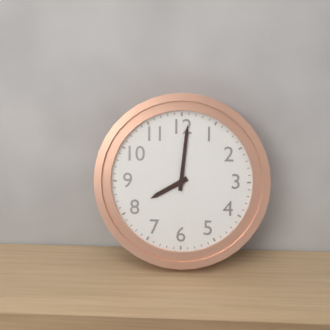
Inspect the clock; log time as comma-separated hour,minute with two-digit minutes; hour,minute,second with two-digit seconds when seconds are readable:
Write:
8,01
